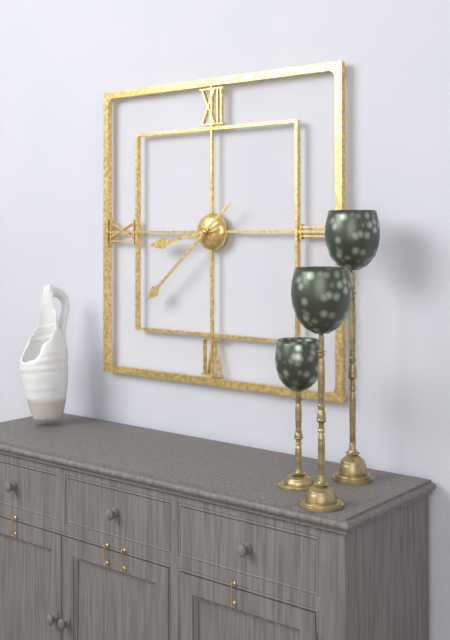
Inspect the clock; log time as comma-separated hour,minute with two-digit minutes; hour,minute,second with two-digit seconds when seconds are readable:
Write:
8,38
